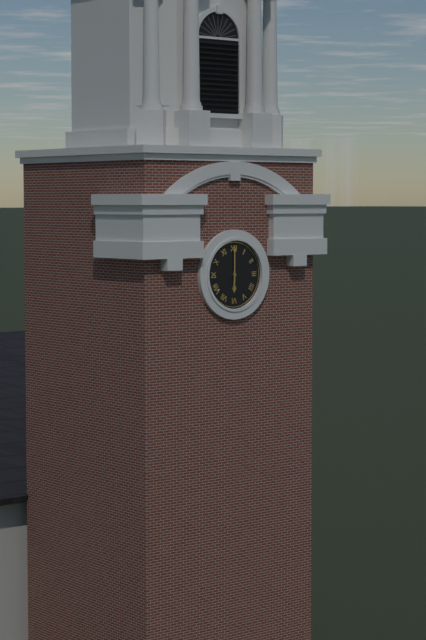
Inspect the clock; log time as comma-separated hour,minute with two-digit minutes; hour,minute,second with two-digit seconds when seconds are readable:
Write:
6,00
